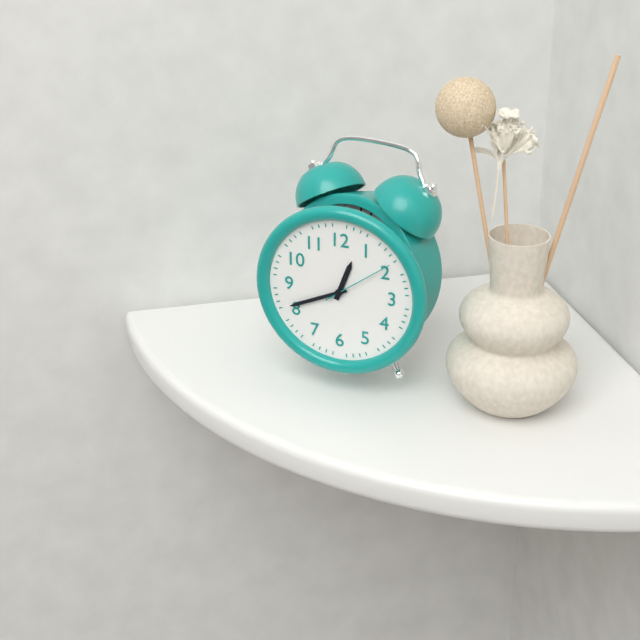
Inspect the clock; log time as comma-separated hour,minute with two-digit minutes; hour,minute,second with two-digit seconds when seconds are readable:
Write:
12,41,09
